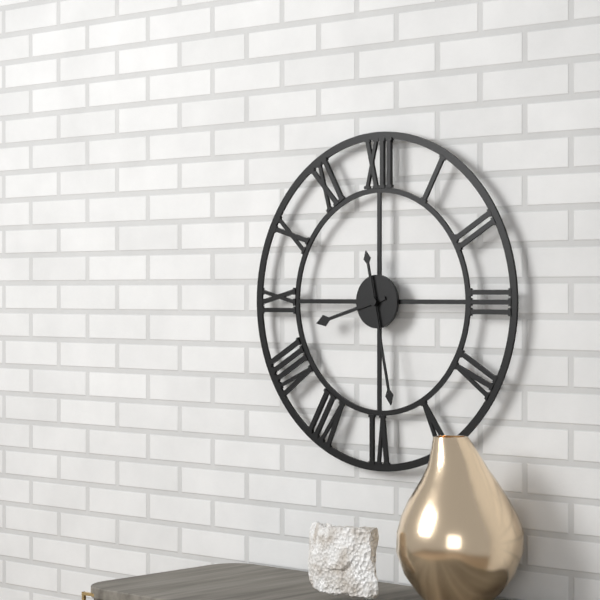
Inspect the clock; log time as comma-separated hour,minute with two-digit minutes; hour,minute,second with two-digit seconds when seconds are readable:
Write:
8,28
